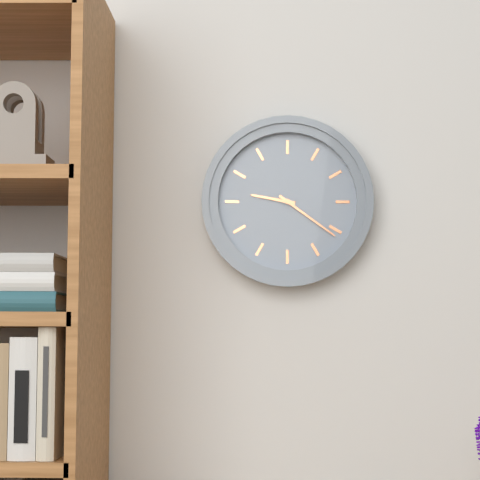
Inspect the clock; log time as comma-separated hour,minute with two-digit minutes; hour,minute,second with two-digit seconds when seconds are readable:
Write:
9,21
